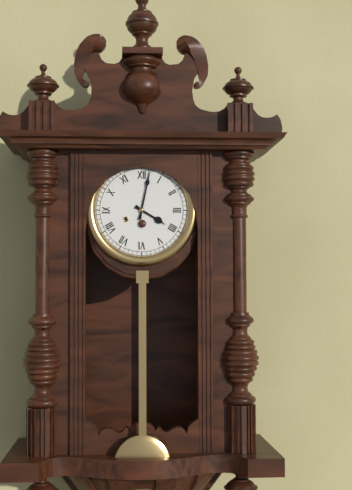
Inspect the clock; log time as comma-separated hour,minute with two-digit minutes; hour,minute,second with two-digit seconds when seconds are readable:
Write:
4,02
